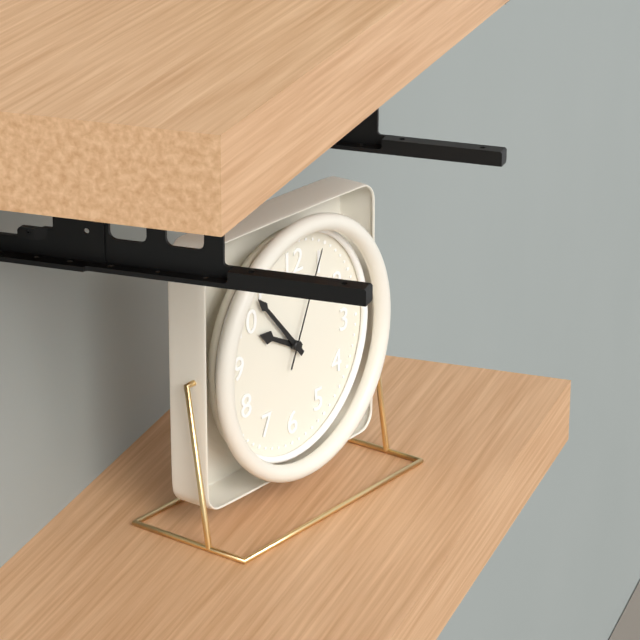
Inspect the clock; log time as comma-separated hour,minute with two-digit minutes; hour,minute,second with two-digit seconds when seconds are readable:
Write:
9,53,04
